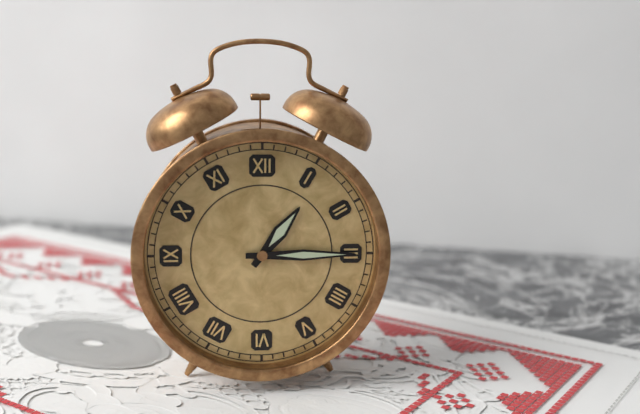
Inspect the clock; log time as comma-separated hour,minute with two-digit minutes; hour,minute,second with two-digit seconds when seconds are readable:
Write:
1,15
